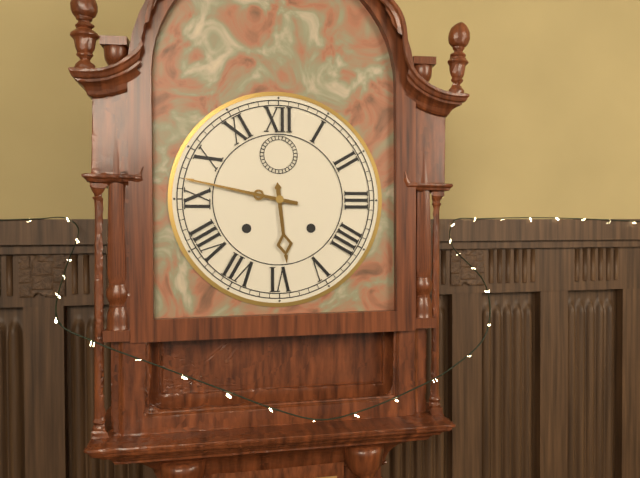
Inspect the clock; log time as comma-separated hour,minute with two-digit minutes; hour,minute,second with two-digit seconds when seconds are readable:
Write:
5,47
